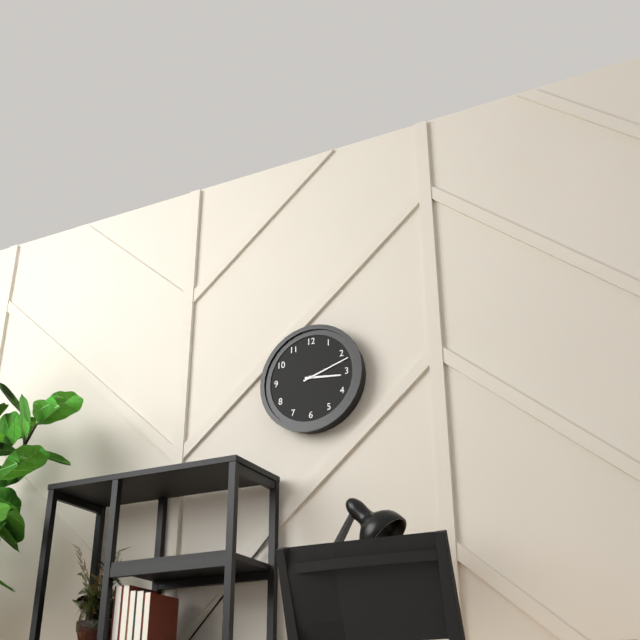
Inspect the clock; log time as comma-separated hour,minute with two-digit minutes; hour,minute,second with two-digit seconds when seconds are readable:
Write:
3,12
